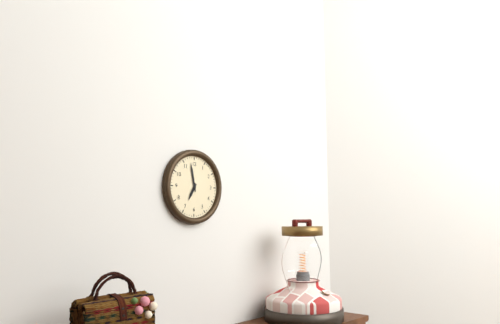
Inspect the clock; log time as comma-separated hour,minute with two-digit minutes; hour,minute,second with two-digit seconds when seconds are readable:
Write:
6,58
